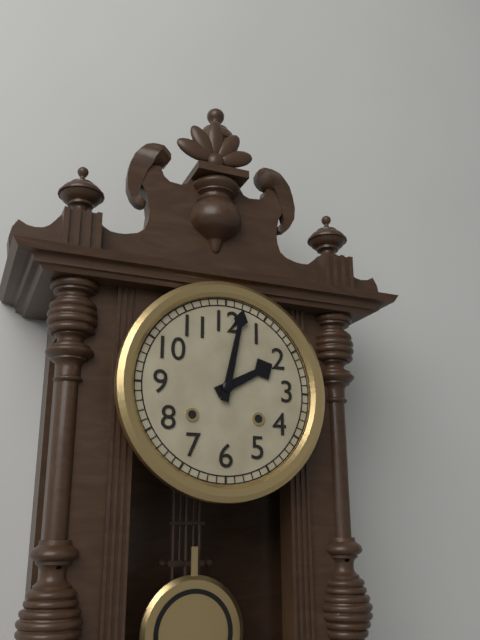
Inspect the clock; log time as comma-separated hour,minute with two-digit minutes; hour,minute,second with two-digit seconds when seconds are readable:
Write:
2,02
